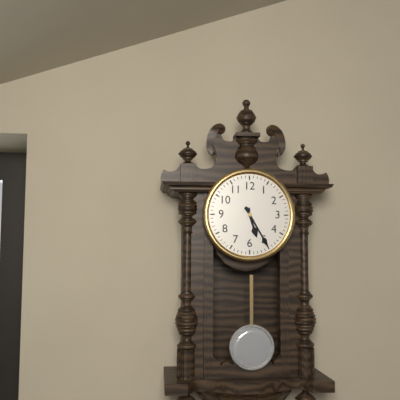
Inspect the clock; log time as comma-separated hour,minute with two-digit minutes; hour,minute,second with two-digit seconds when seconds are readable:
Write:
5,25
